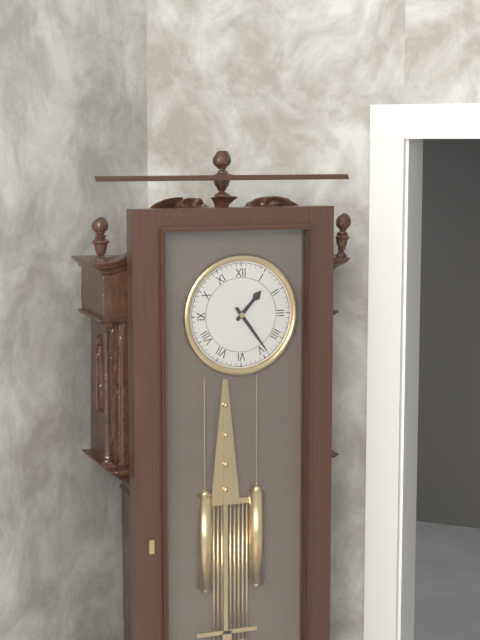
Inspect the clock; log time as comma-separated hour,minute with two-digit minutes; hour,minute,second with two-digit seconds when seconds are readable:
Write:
1,24
